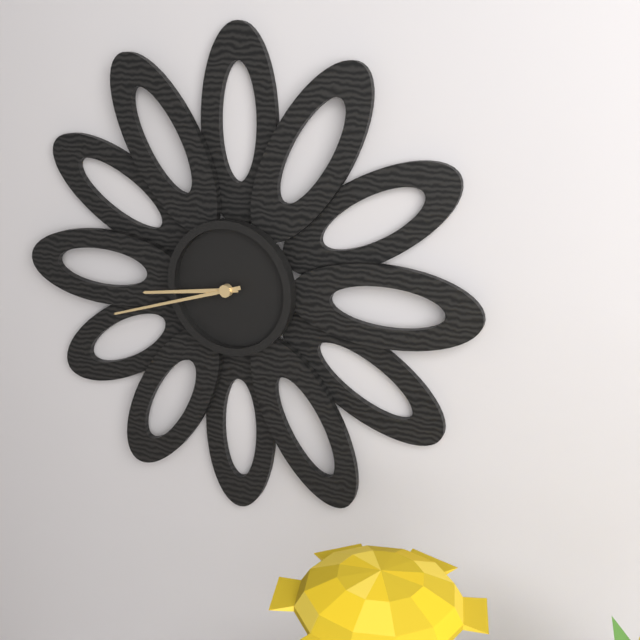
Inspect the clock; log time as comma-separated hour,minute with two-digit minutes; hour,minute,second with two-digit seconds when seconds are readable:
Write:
8,42
